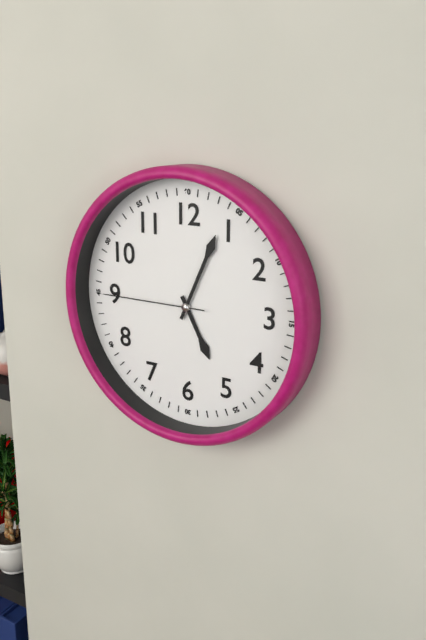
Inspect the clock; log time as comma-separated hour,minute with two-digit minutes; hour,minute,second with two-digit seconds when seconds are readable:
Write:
5,04,45
